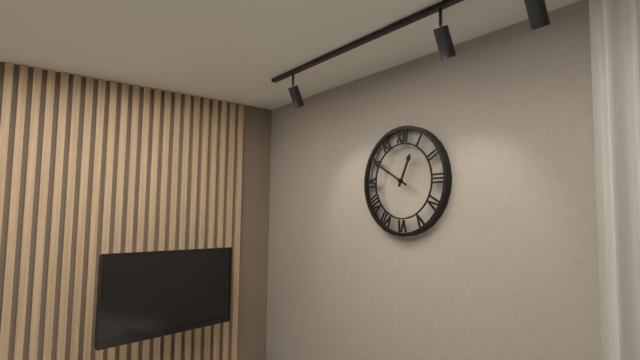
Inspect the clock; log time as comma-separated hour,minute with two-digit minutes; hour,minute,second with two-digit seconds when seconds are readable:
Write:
12,50
